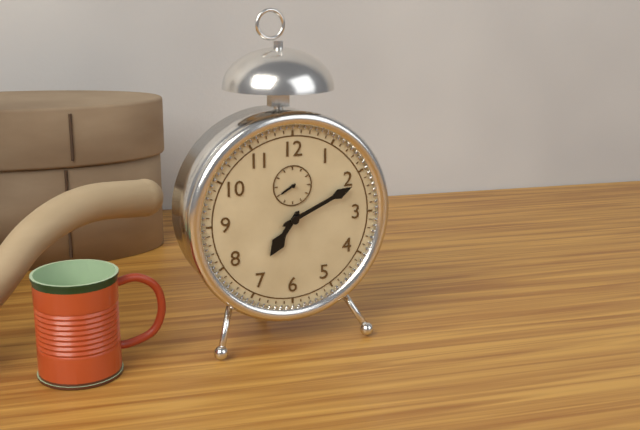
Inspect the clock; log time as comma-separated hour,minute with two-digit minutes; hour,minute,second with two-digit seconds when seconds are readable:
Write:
7,11
